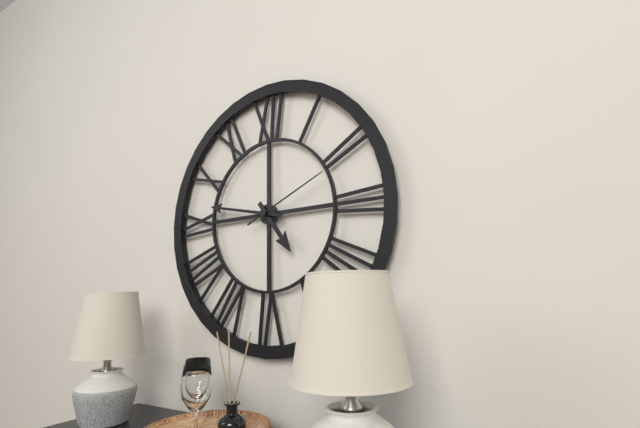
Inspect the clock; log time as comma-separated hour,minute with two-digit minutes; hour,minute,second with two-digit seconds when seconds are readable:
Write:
4,47,11
